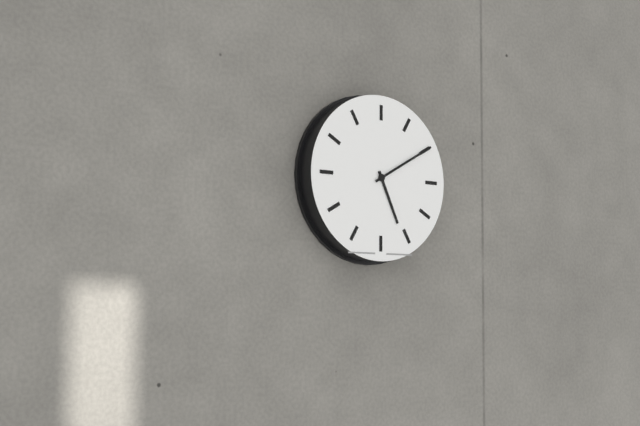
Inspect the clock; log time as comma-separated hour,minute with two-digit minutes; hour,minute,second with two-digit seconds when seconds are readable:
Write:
5,10
